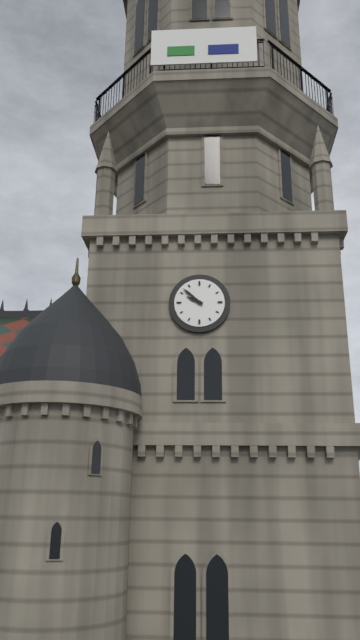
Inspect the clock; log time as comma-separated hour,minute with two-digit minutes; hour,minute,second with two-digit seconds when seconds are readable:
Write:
9,52
